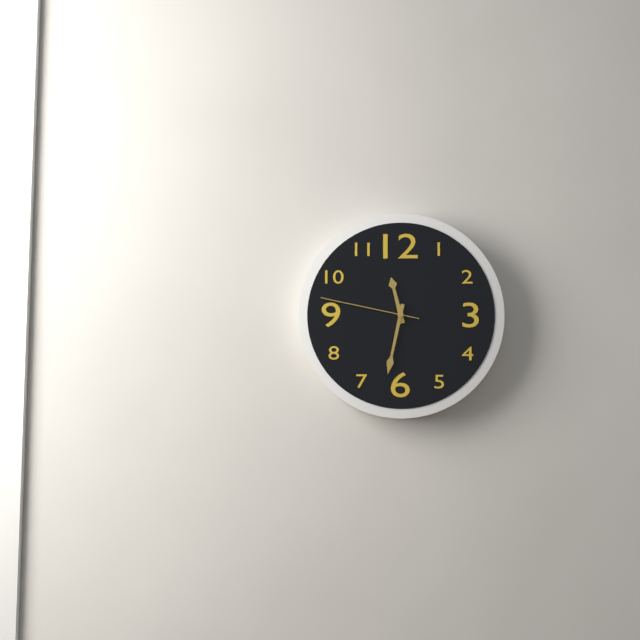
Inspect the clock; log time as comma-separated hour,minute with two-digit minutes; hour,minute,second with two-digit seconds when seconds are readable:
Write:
11,32,47
